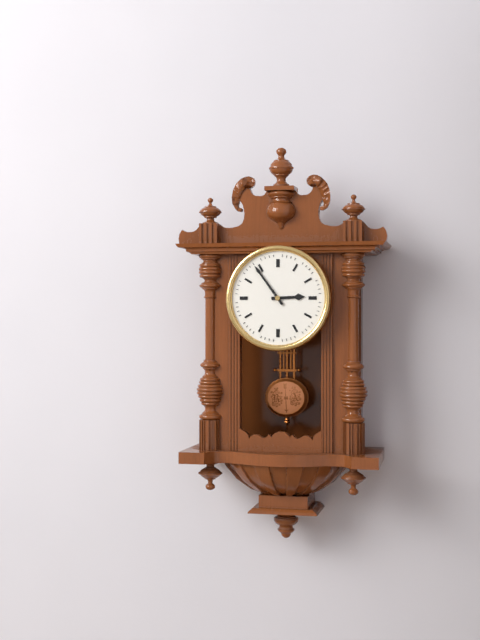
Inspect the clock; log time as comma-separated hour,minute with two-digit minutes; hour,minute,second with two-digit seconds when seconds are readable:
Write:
2,54
